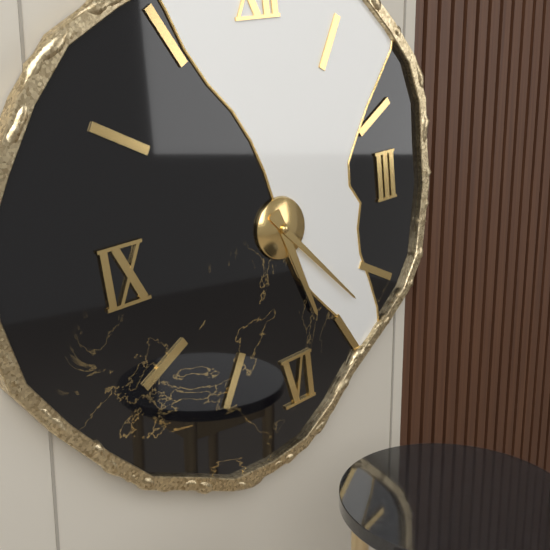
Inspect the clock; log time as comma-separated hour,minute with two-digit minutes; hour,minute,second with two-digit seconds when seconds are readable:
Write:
5,23
